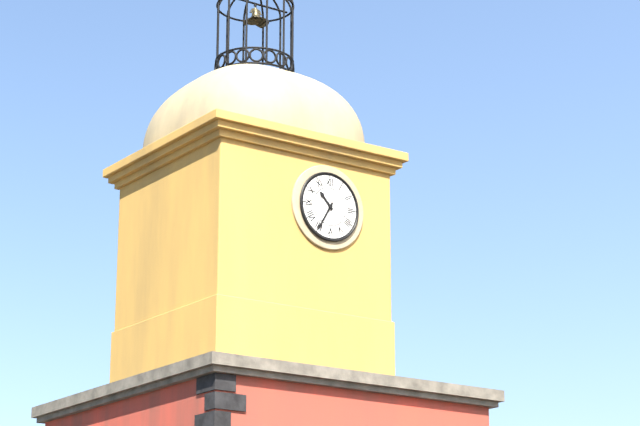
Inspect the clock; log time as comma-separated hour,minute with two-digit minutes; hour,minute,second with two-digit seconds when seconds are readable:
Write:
10,35
